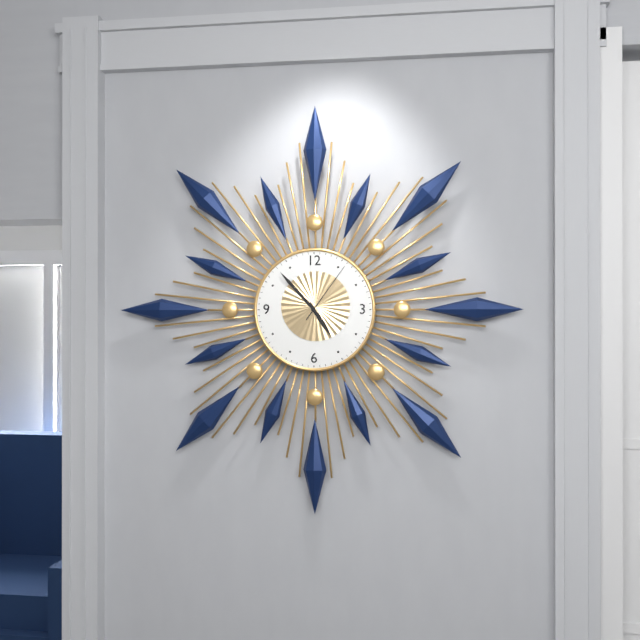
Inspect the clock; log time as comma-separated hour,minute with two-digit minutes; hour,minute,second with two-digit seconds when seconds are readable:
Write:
4,53,06
